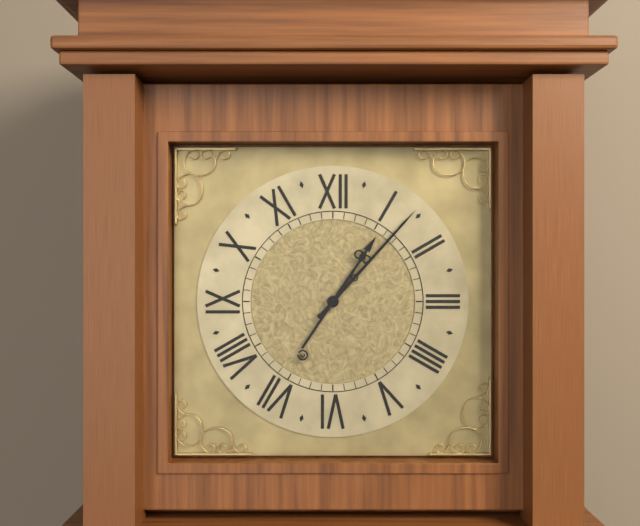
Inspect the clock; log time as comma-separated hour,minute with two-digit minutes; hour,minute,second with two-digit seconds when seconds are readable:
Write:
1,07
